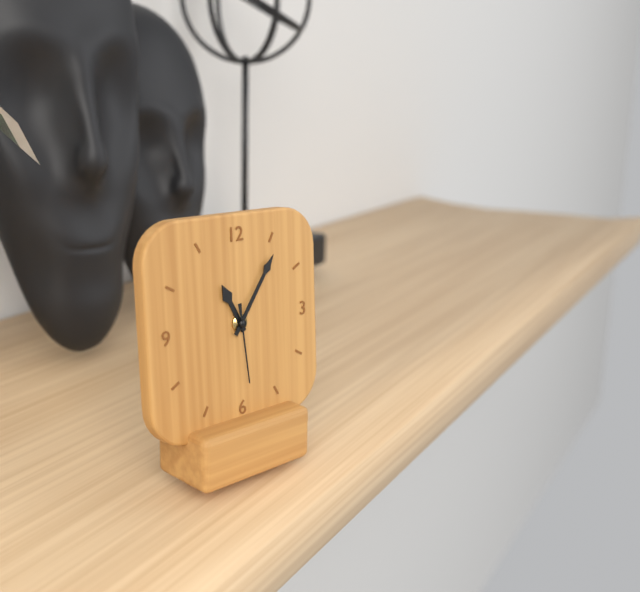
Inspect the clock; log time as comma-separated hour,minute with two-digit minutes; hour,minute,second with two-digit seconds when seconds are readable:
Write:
11,06,29
